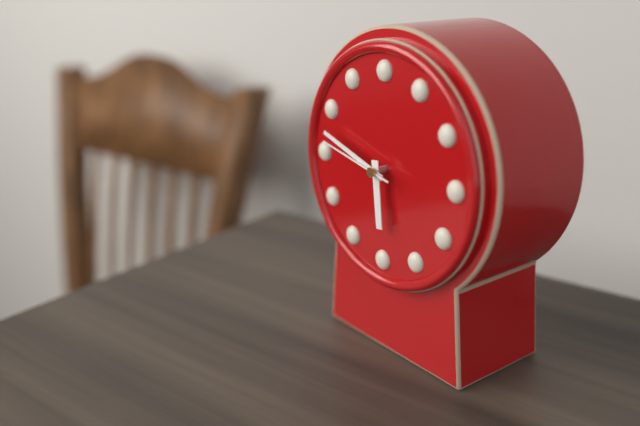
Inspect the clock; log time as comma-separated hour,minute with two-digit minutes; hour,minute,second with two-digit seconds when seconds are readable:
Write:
5,48,47
